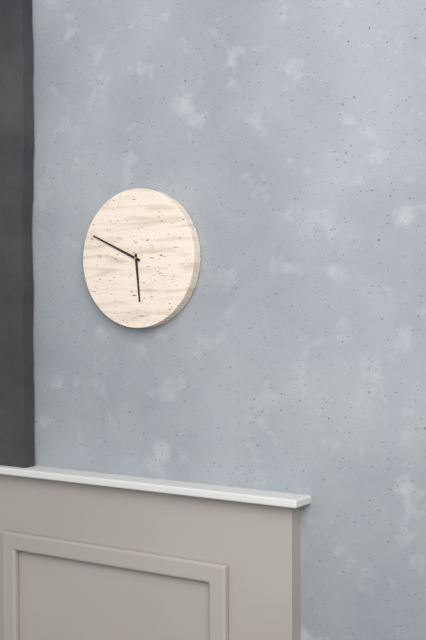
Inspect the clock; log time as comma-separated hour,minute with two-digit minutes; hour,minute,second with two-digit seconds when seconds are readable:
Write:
5,49
